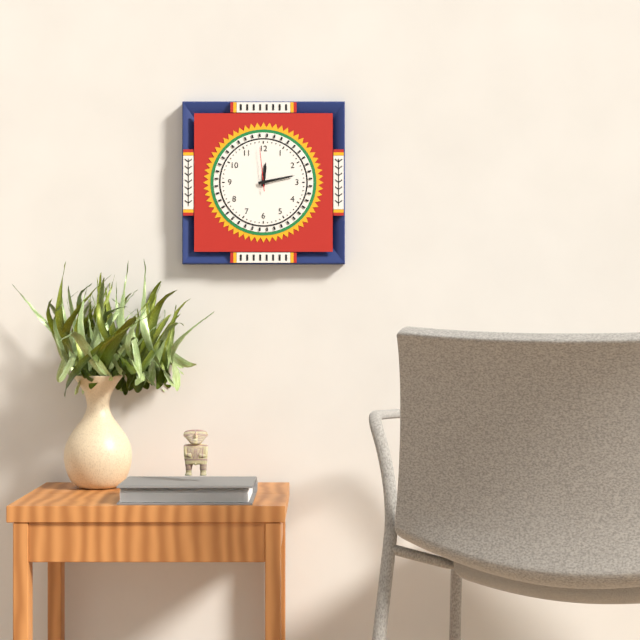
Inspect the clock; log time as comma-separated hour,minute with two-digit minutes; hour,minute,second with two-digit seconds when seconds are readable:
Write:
12,13
